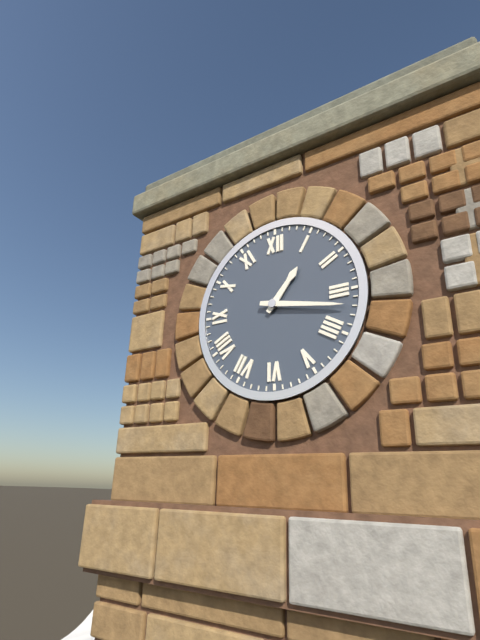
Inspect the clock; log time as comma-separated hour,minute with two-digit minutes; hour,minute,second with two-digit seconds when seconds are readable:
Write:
1,17
